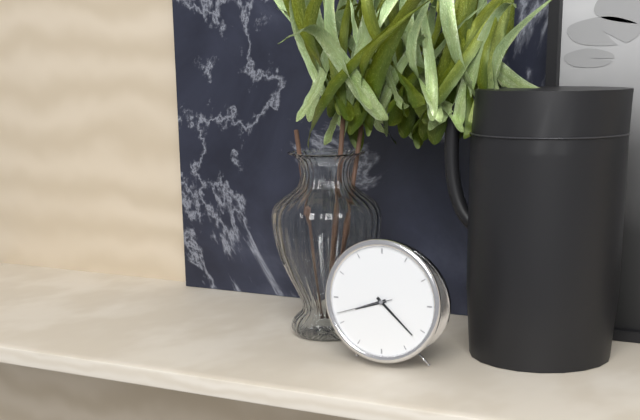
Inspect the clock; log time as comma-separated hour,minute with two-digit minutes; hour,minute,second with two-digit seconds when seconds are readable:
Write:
8,22,42
